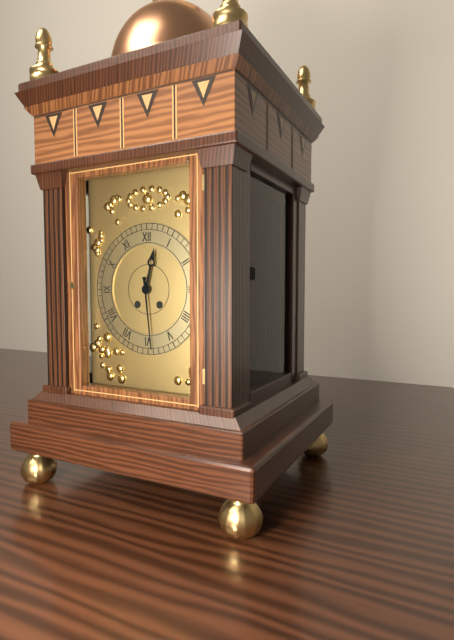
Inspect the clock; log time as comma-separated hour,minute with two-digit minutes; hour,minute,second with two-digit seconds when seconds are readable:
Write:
12,29
